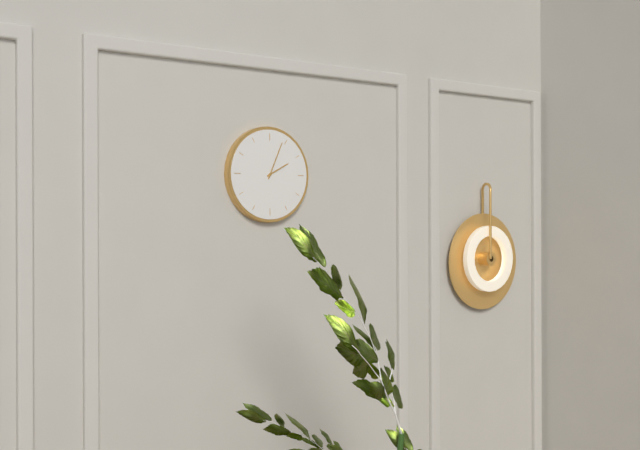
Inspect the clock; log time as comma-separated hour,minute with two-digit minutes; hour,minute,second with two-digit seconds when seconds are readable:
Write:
2,04
